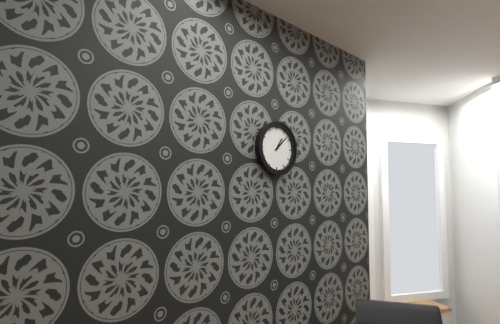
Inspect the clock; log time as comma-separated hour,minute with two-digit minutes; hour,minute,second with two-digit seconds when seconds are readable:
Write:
1,08
